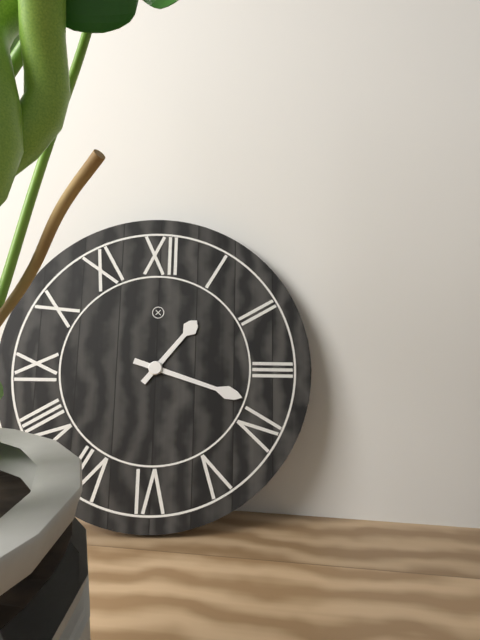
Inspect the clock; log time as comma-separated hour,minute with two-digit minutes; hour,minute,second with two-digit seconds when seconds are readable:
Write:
1,18
